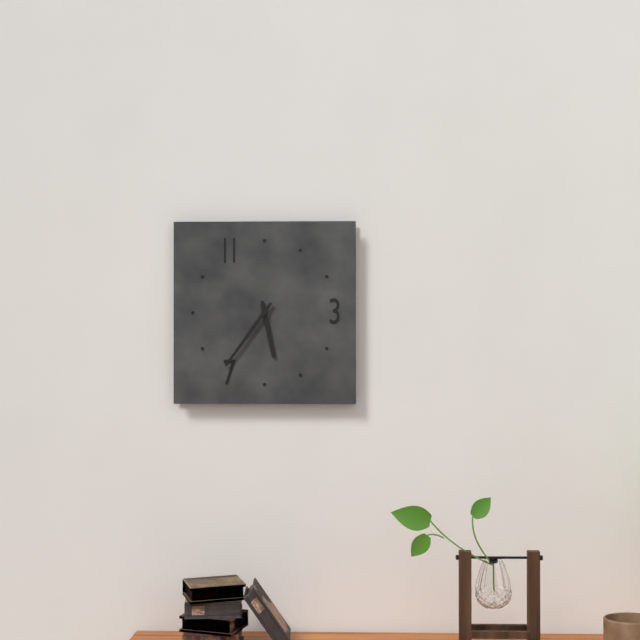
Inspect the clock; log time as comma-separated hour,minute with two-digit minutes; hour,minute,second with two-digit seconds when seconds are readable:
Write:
5,36
